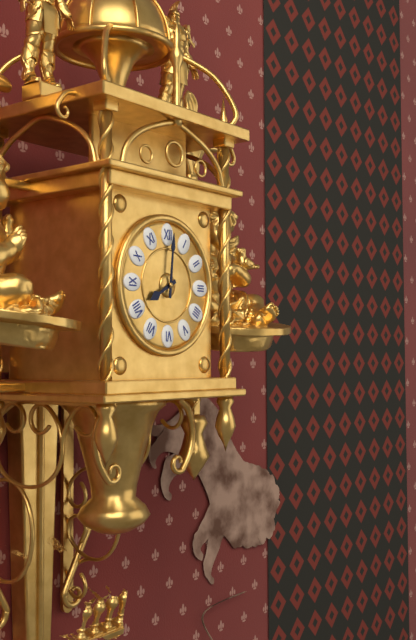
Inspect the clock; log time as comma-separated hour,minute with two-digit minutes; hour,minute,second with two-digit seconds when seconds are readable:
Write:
8,01
